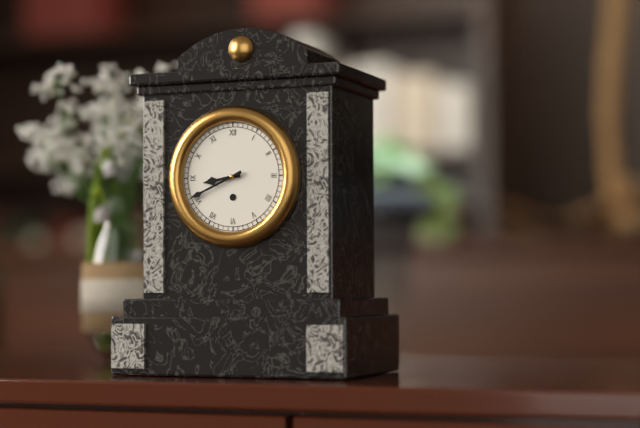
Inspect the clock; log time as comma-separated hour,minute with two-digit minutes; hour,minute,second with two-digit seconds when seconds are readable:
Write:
8,41
